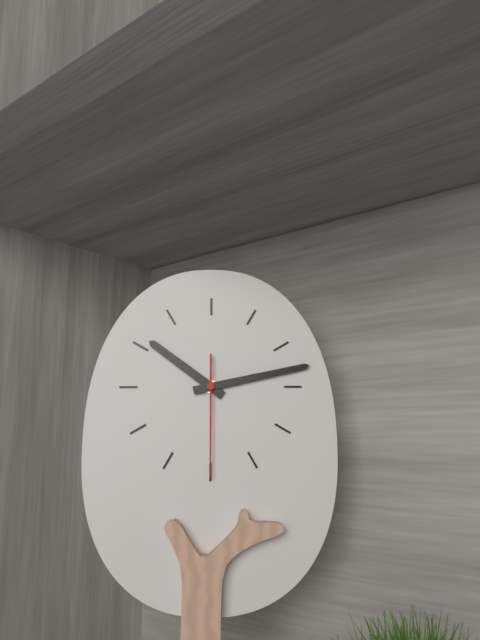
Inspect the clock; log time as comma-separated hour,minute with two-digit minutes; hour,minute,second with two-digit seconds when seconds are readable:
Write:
10,13,30
